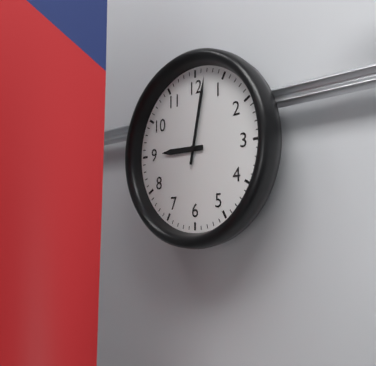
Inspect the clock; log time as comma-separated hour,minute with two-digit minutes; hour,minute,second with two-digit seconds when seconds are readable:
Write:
9,02
